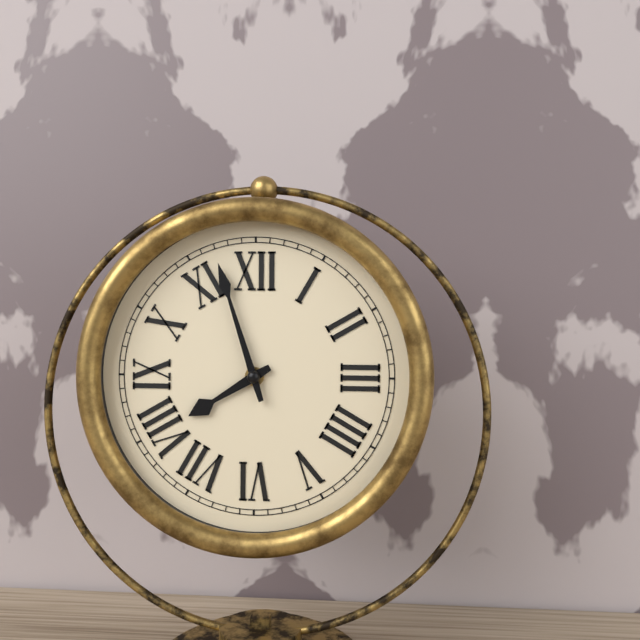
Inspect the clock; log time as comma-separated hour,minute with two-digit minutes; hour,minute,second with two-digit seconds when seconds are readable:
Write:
7,57
